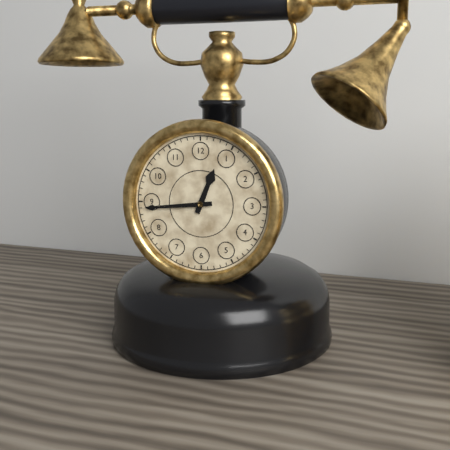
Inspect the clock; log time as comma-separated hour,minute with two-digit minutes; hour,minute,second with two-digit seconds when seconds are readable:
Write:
12,44
